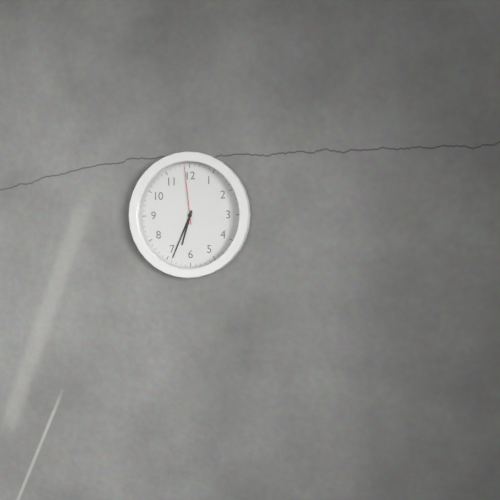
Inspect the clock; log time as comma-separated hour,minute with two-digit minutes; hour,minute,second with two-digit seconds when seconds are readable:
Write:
6,34,59
